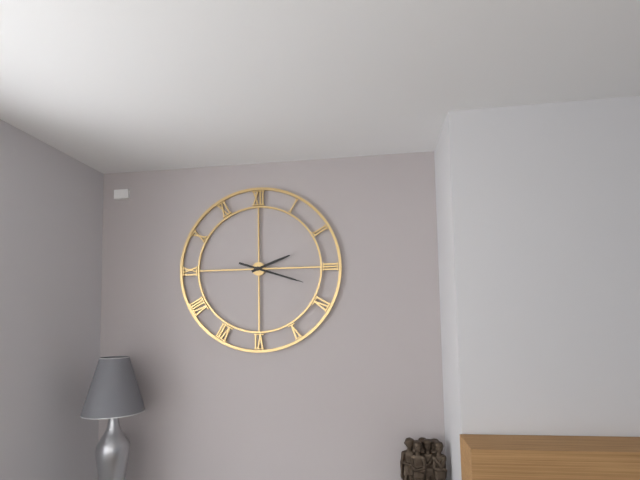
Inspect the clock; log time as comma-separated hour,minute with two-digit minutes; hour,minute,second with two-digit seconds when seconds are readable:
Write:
2,18
